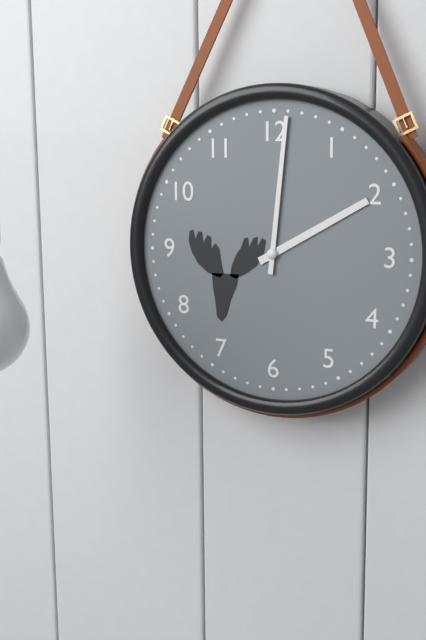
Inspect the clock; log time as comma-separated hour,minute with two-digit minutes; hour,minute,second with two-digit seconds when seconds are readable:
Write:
2,01
